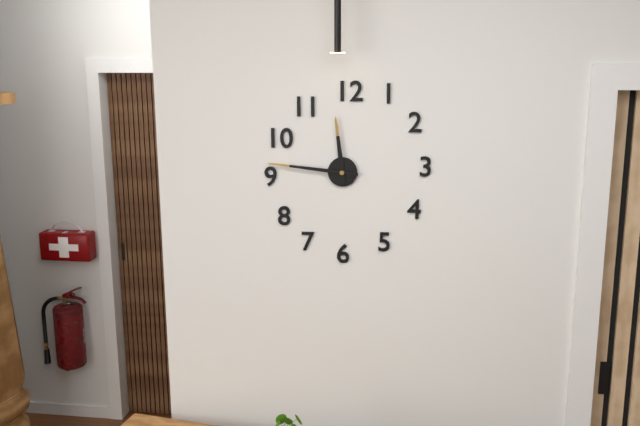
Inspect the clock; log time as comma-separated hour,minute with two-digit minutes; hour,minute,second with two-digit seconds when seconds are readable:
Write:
11,46
